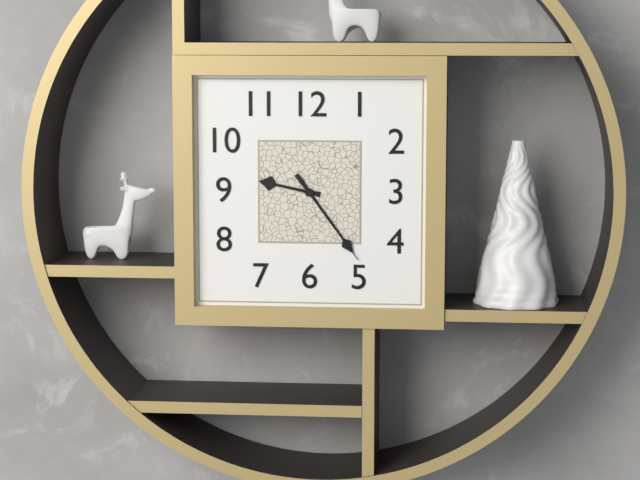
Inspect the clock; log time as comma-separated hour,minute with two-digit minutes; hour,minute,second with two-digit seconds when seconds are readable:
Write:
9,24,24
